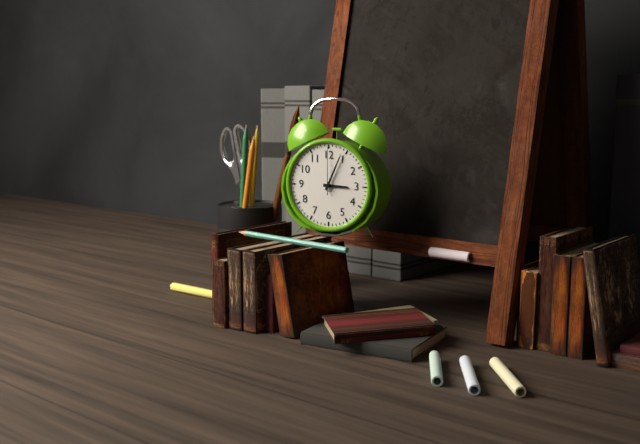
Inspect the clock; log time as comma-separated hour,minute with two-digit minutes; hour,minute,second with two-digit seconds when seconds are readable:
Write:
3,04
